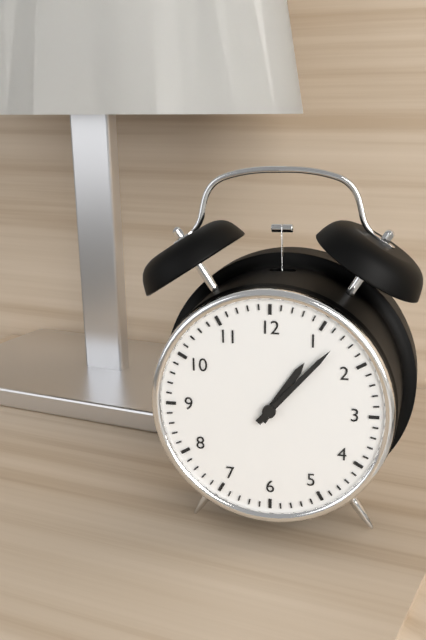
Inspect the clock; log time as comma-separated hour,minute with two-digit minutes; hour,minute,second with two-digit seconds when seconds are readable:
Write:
1,07
